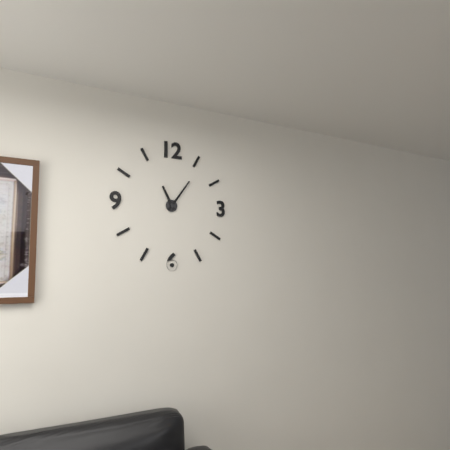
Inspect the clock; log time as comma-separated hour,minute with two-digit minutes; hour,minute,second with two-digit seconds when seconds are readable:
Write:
11,06
